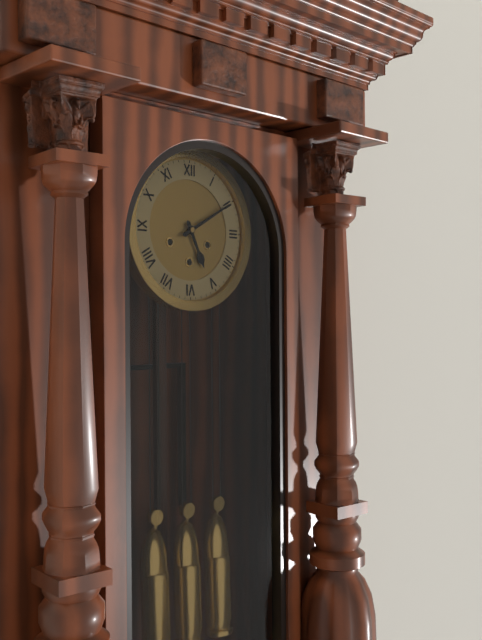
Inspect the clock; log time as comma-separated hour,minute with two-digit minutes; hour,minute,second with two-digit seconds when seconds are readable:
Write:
5,10
